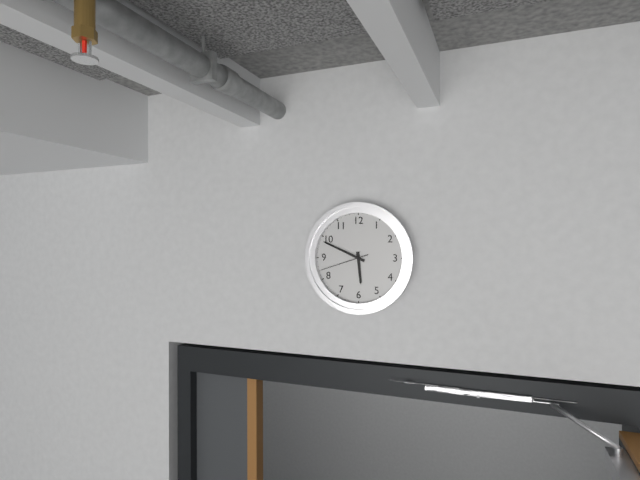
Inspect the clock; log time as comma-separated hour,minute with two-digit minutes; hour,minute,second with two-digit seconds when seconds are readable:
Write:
5,49,42
